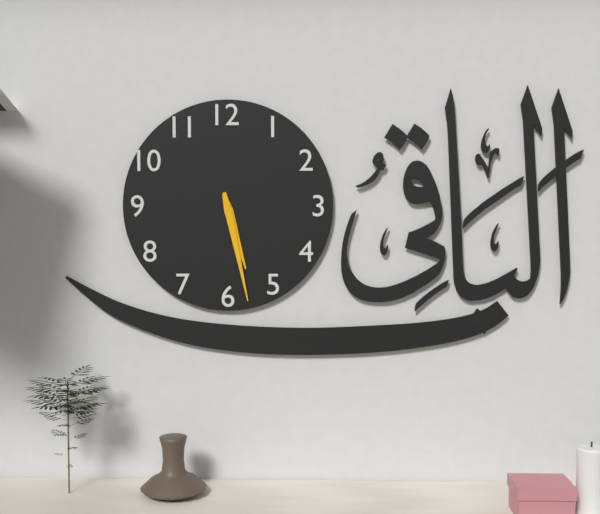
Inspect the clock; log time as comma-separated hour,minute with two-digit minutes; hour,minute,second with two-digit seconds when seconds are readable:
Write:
5,28
